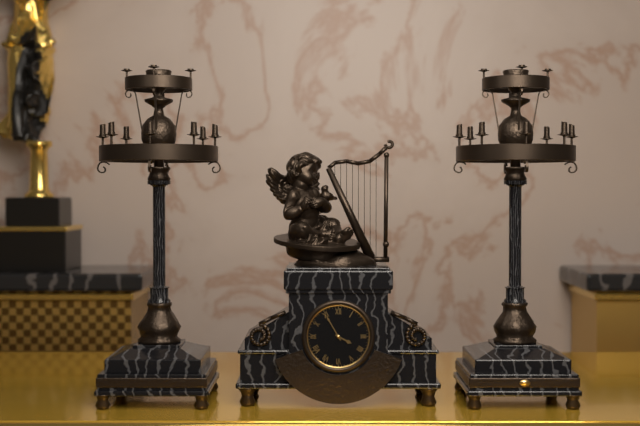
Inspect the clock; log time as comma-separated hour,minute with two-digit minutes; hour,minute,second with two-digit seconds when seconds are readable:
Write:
3,55
